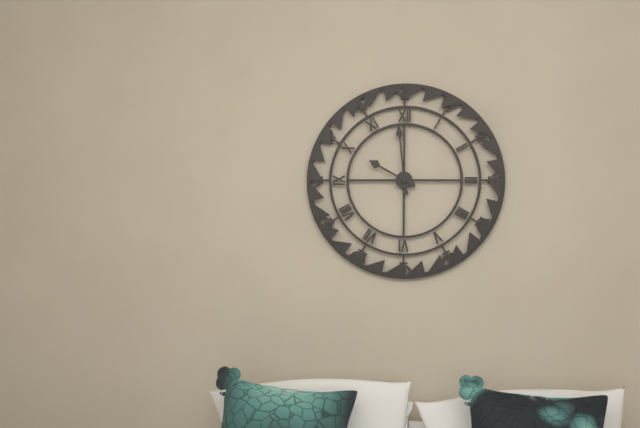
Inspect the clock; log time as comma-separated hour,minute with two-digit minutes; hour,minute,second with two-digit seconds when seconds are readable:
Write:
9,59
